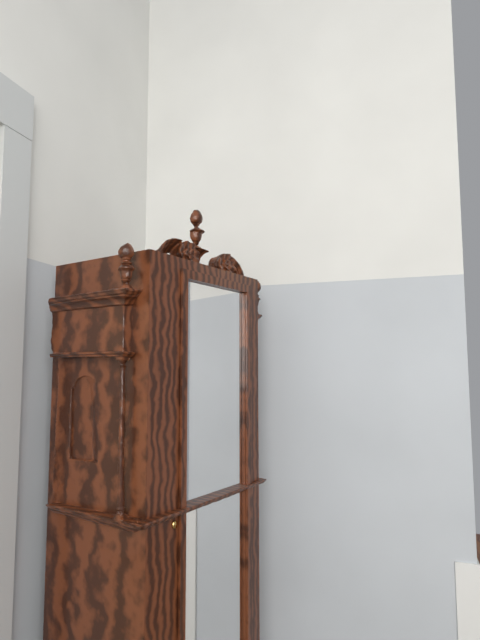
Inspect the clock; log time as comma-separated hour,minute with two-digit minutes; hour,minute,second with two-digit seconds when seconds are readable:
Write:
10,38
